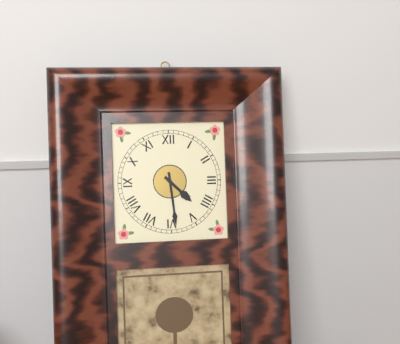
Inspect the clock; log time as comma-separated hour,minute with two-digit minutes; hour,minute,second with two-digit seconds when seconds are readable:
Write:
4,29
